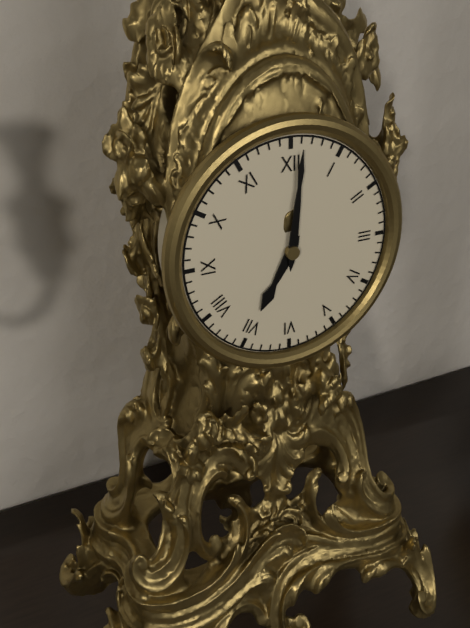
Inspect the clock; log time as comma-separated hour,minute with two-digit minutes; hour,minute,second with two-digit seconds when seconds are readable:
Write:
7,01
